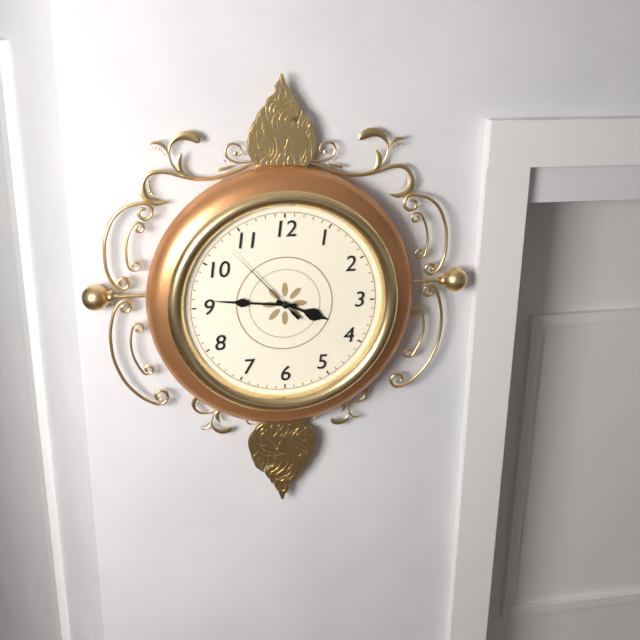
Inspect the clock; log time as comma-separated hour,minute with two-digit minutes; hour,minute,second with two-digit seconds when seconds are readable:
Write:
3,46,53
